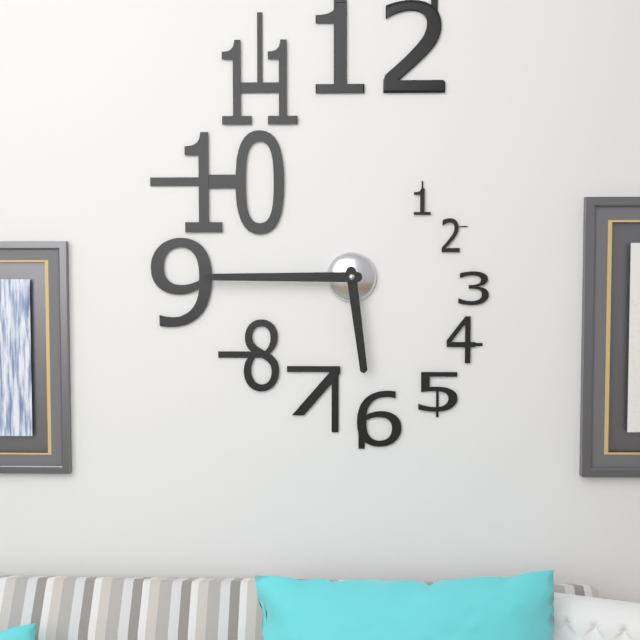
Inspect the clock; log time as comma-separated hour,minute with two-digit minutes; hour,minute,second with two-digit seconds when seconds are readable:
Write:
5,45
